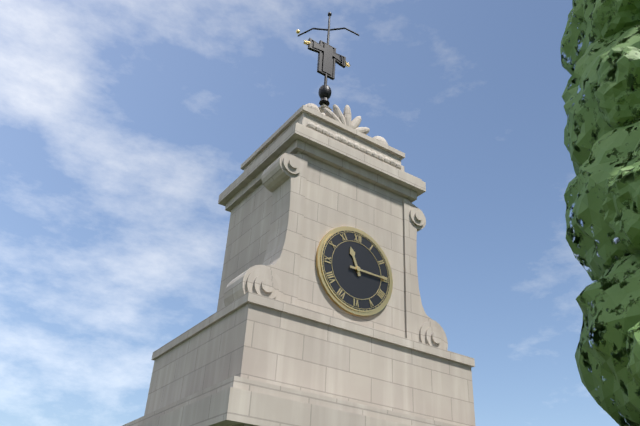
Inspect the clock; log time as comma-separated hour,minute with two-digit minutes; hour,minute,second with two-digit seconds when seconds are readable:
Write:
11,15
